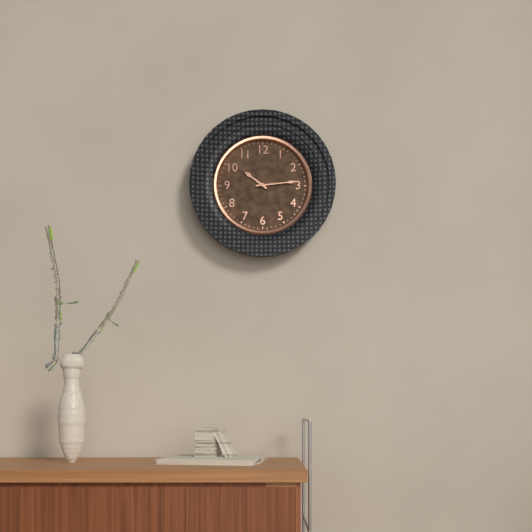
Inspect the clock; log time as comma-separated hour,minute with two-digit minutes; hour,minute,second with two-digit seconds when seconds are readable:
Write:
10,14
